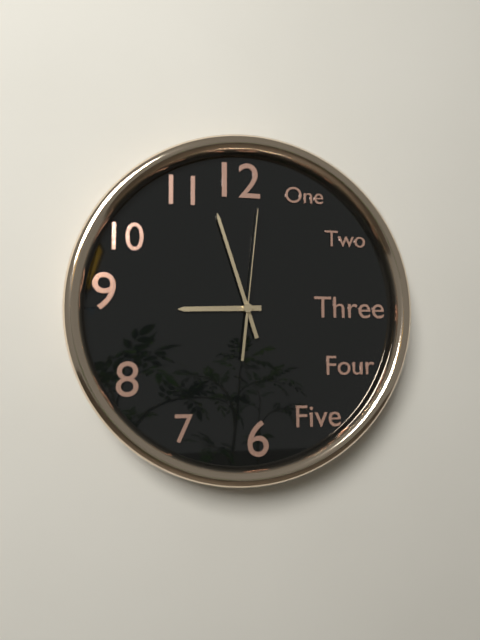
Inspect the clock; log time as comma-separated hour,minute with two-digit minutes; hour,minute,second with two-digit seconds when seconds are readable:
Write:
8,57,01
